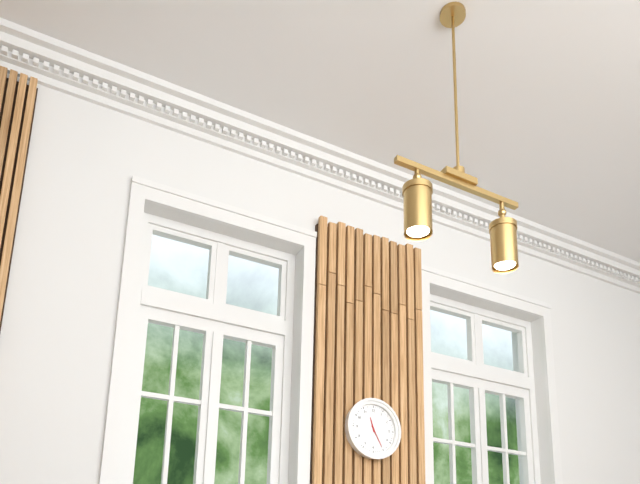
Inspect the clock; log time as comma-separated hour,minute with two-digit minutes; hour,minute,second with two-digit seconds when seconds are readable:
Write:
11,25
